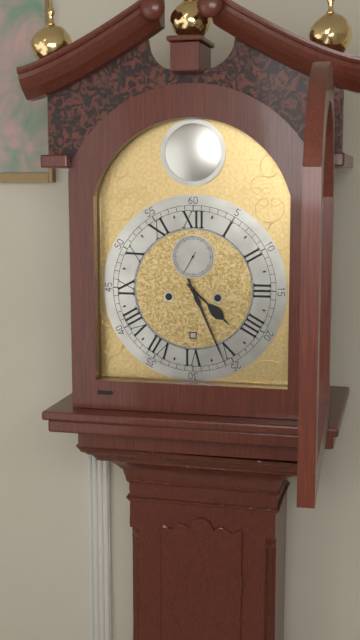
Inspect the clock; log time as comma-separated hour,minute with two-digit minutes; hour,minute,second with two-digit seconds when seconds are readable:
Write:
4,26
